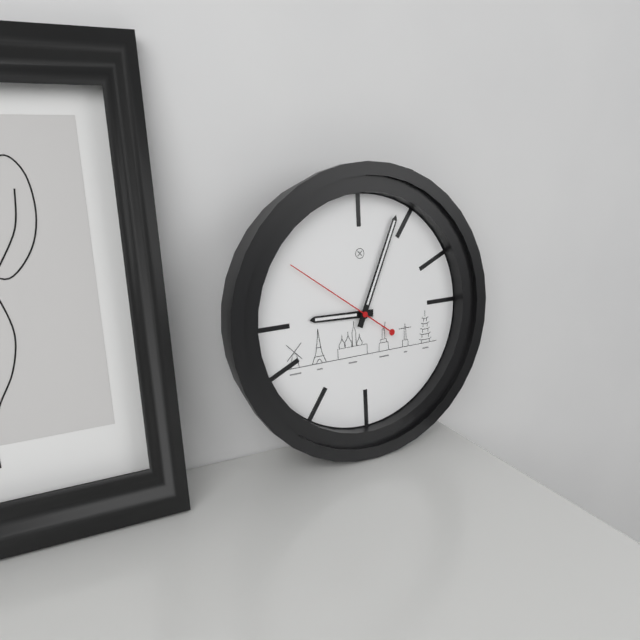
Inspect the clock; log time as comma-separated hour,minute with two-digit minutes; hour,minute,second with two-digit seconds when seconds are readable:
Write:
9,04,51
